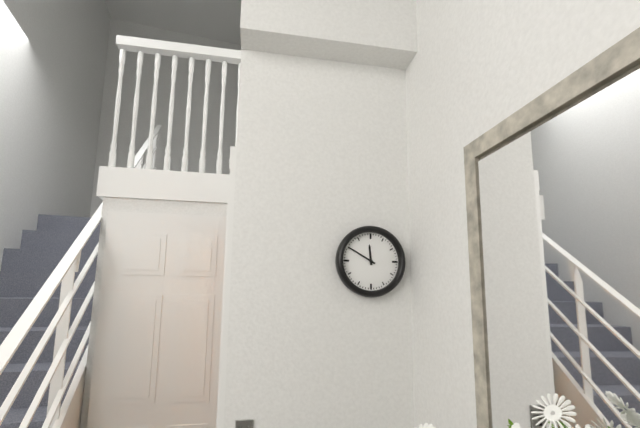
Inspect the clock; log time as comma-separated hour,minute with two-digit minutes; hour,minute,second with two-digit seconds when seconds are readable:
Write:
11,50
